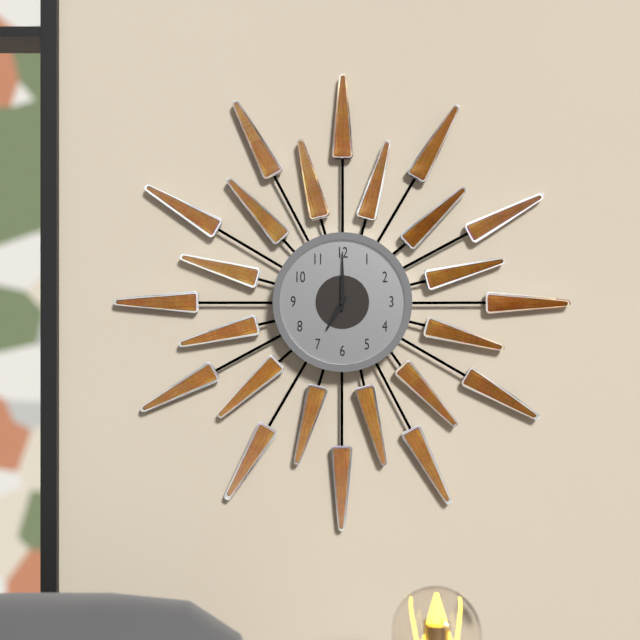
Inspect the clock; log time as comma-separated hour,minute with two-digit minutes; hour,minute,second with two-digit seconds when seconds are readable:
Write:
7,00
